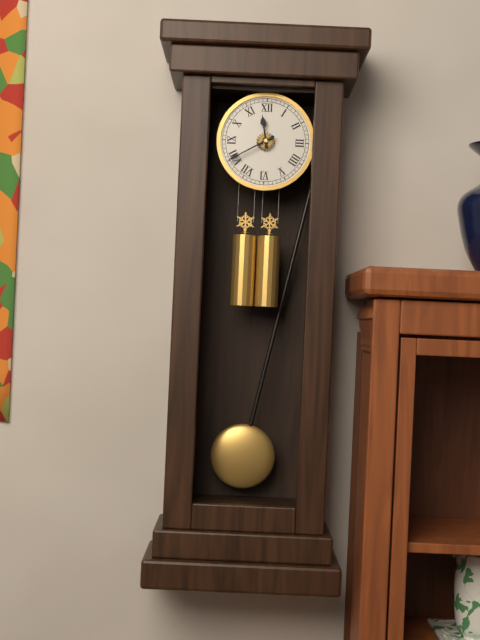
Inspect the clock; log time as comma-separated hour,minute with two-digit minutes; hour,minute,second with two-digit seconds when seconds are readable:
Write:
11,40
